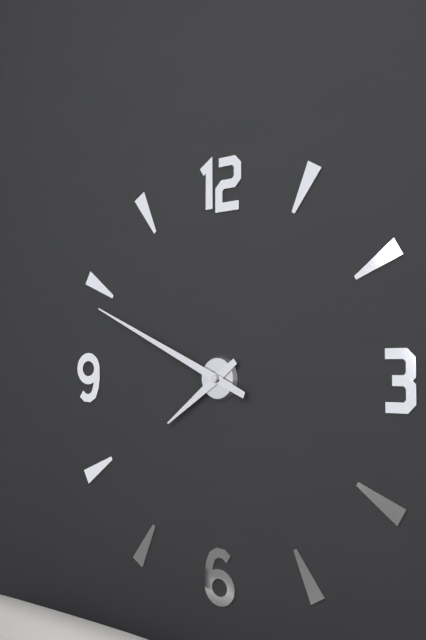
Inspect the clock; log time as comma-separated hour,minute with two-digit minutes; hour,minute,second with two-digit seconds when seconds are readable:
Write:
7,49
